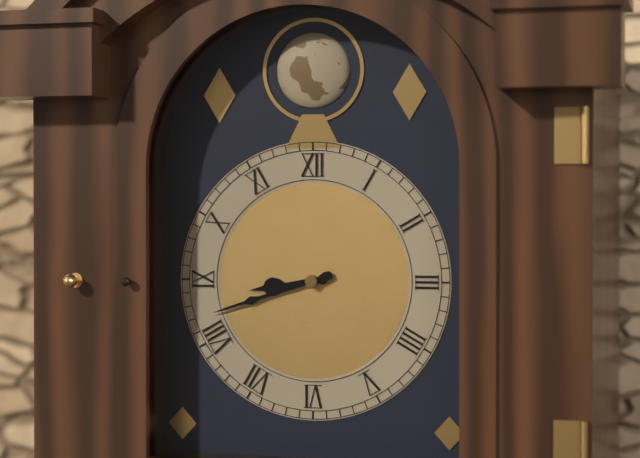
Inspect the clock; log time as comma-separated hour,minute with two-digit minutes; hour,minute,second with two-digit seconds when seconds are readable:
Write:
8,42
